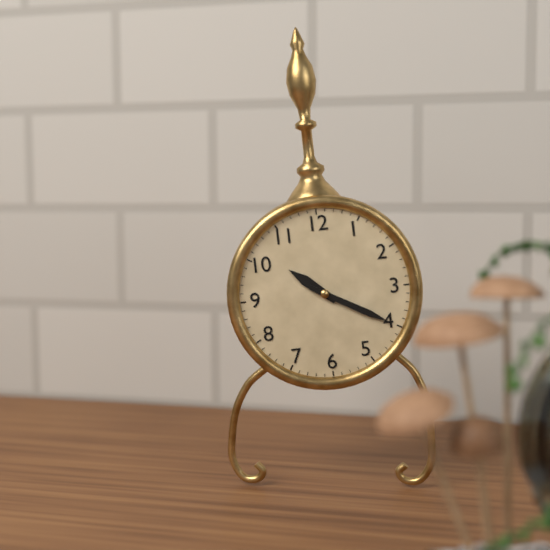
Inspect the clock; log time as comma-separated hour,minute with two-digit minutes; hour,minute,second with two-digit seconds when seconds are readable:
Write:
10,20
